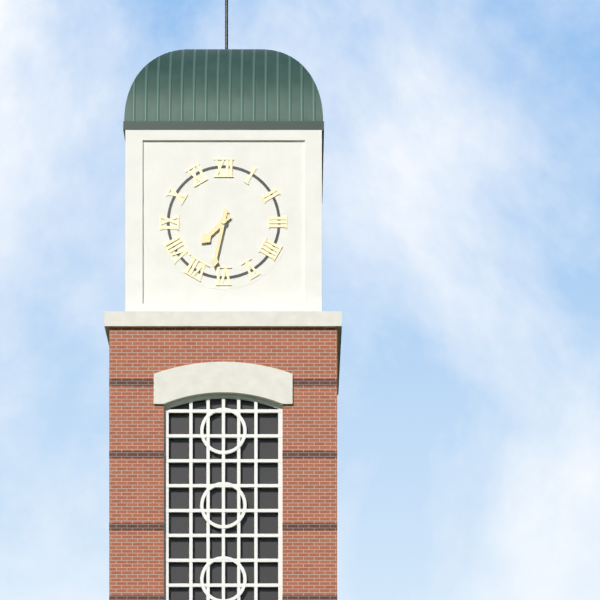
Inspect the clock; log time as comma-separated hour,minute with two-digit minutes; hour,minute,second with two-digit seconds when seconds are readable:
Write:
7,32
